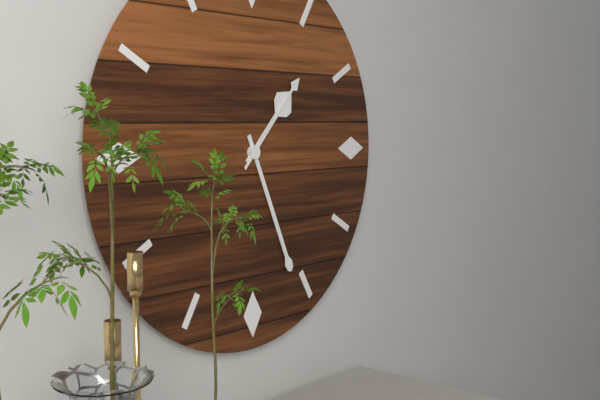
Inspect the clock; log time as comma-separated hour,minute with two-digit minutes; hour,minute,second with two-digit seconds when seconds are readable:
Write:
1,26,07
